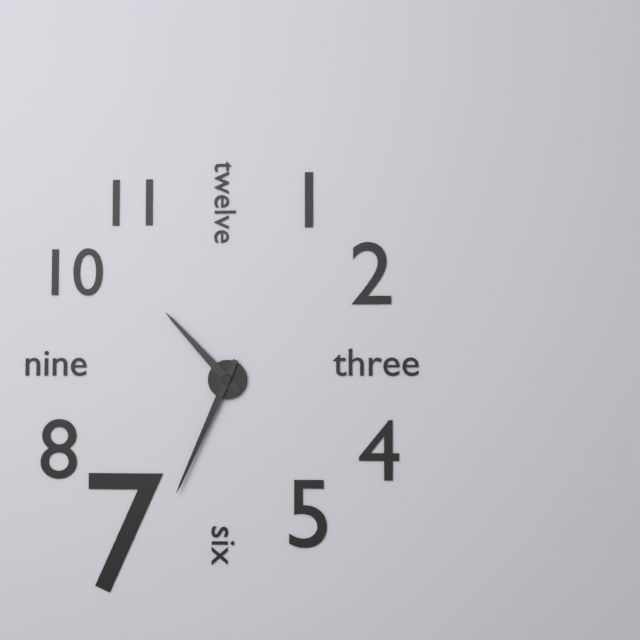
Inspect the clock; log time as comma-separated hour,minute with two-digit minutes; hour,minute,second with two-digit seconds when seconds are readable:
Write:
10,34
